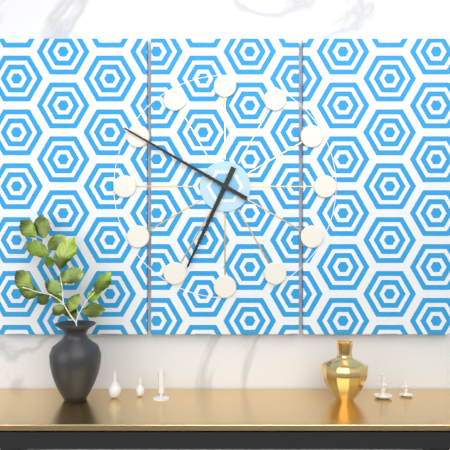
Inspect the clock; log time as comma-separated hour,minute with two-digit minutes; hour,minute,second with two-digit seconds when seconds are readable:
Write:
6,50
